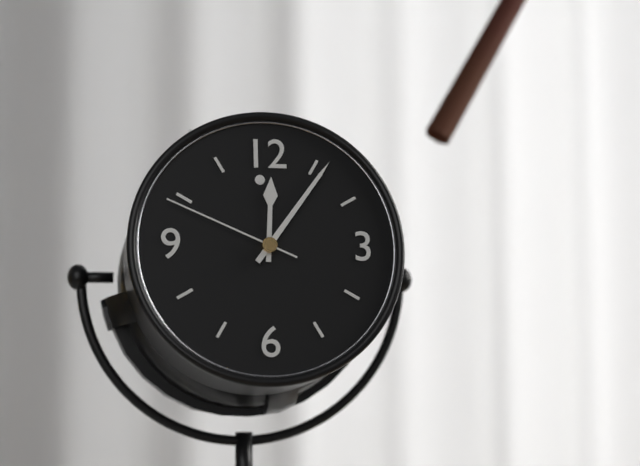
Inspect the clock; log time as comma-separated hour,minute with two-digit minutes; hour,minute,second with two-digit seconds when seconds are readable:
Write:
12,06,49
